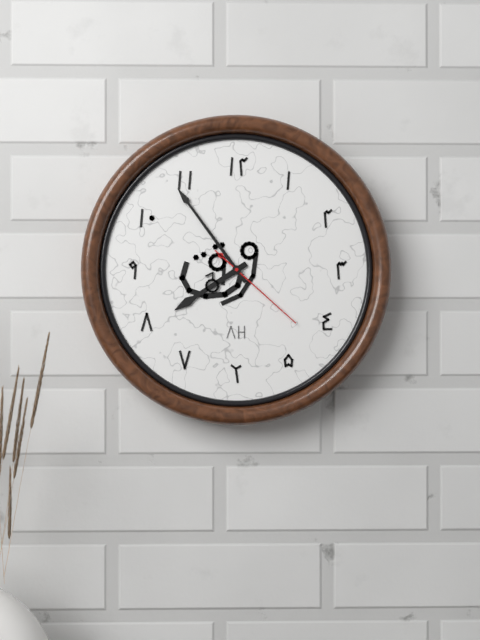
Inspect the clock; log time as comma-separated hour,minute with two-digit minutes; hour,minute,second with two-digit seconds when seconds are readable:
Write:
7,54,22
